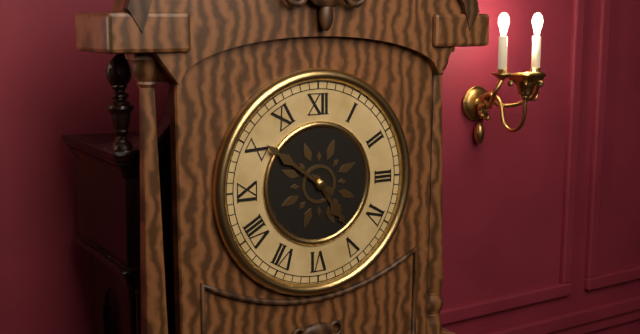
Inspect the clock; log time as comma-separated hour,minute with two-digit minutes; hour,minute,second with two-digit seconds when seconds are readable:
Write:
4,51
